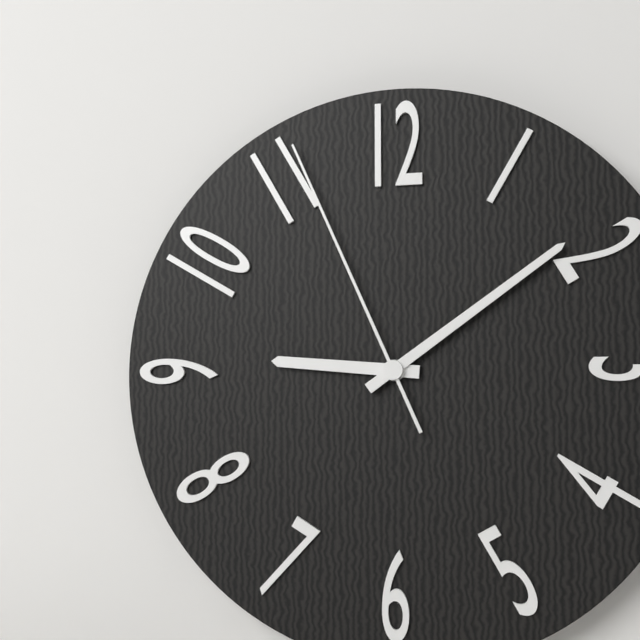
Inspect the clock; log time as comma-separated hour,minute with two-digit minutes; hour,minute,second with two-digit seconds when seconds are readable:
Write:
9,09,56
